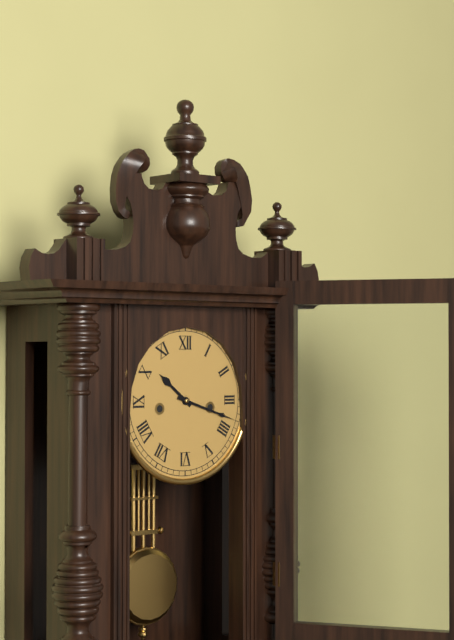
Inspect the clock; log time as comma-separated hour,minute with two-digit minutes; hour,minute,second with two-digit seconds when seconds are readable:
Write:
10,18
